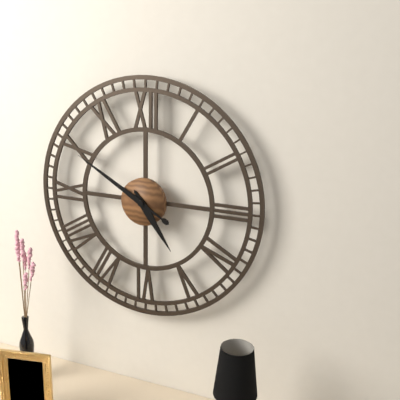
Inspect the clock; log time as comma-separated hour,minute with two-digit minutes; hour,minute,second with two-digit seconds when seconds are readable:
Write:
4,50
